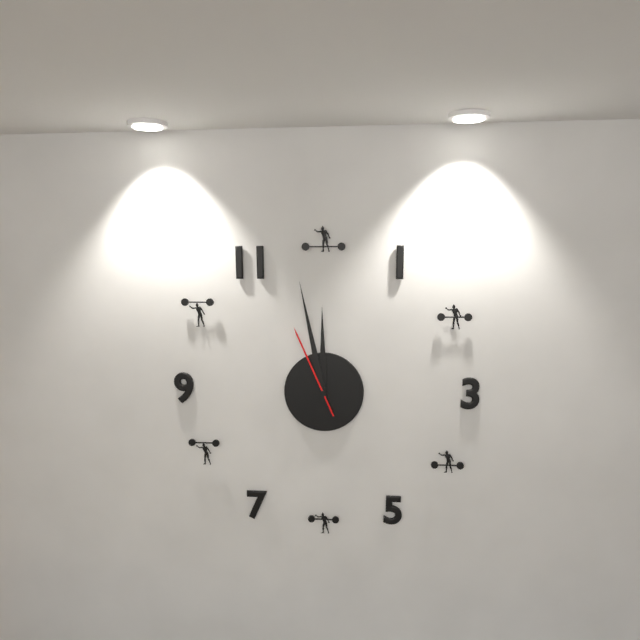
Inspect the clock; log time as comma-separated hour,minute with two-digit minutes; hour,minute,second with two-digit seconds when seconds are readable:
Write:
11,58,56
